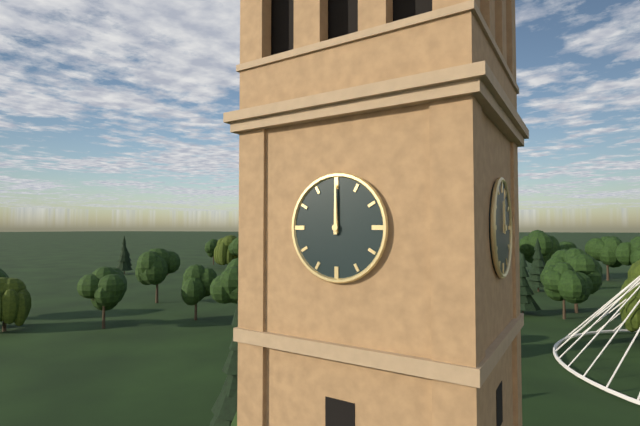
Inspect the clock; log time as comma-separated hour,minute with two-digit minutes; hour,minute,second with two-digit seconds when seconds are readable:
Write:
12,00
